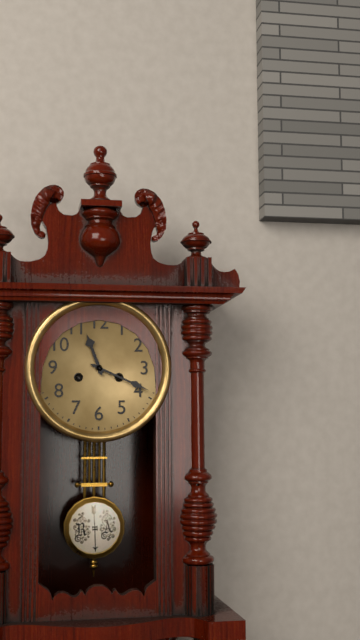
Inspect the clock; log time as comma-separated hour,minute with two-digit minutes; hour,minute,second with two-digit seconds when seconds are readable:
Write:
11,19
